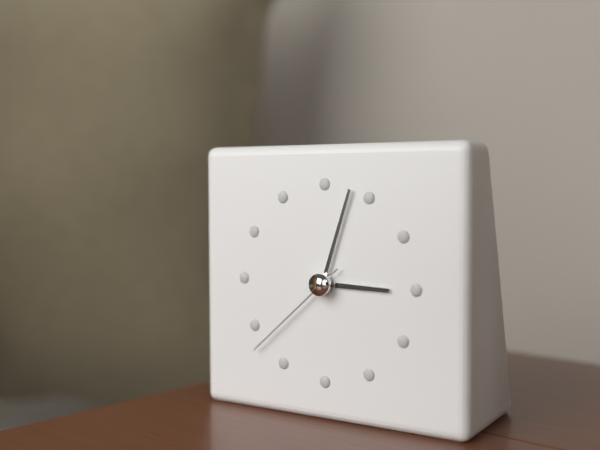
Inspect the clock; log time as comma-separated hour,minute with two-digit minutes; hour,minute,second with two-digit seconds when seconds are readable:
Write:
3,03,38
